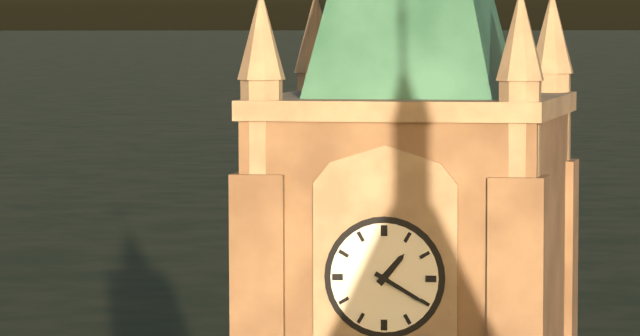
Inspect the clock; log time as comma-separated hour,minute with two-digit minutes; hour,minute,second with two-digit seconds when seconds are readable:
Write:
1,20
